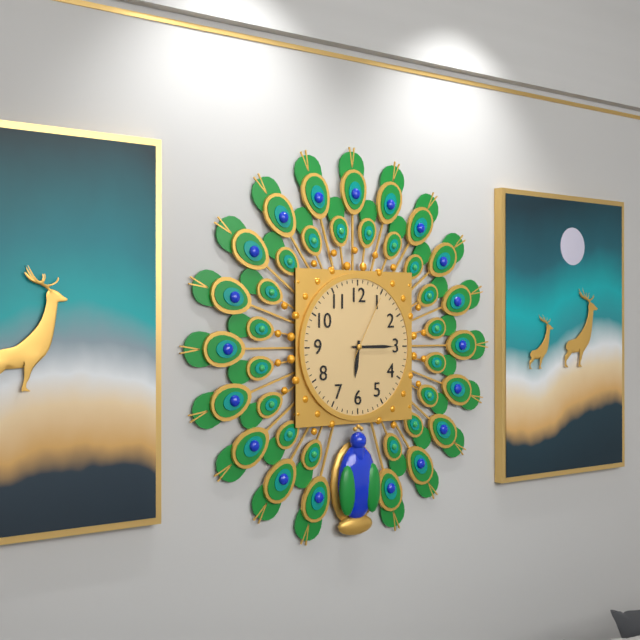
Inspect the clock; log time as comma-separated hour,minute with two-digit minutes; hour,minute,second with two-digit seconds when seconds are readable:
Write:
6,15,05
